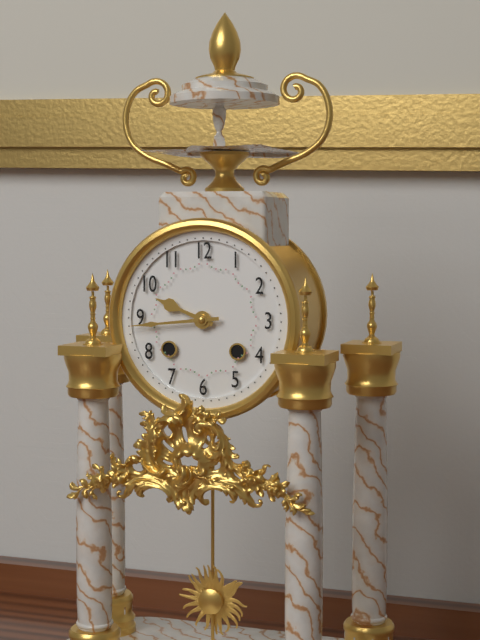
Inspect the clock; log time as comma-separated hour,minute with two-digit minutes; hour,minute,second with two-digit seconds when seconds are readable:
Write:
9,44
